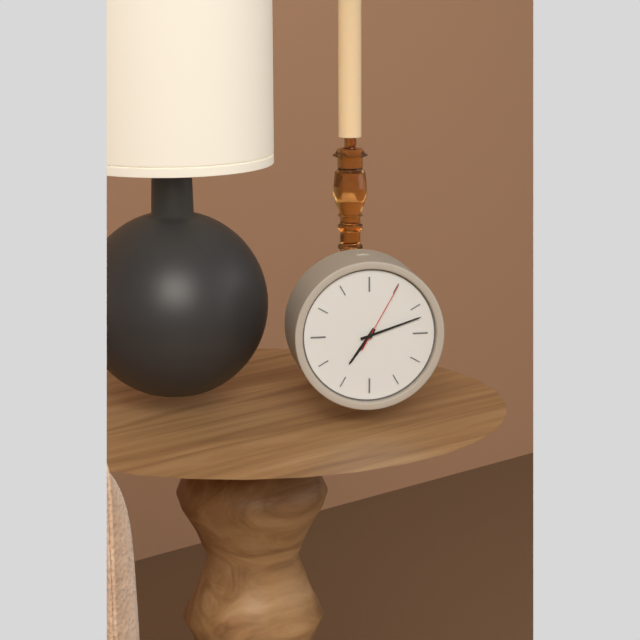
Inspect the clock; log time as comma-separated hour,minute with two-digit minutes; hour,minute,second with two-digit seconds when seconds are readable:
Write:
7,12,05
